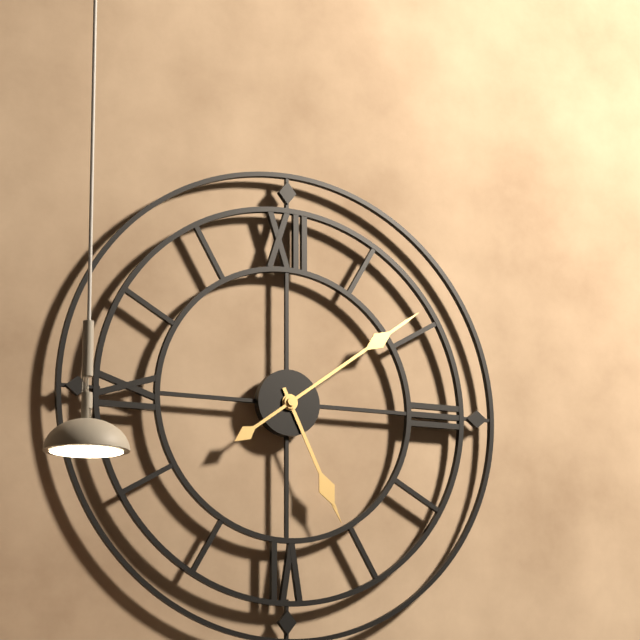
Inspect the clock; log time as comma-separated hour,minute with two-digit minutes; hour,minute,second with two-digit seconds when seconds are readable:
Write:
5,09
